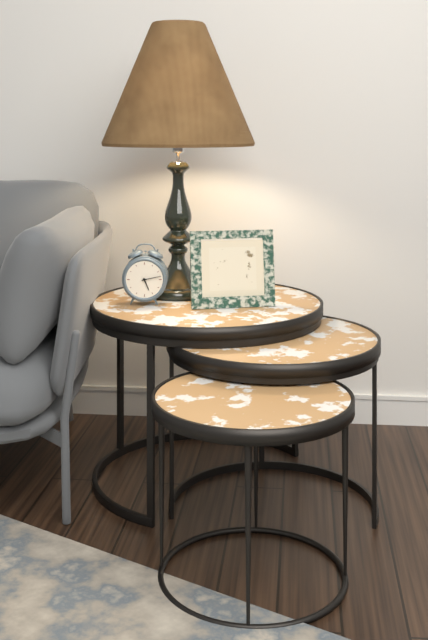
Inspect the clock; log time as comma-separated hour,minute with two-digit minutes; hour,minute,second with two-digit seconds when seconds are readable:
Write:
5,13
